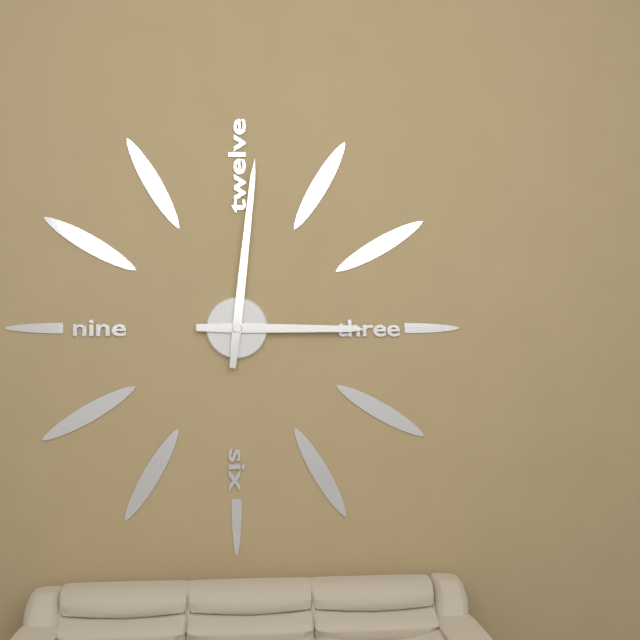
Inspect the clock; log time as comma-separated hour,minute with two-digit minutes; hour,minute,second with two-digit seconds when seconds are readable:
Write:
3,01
